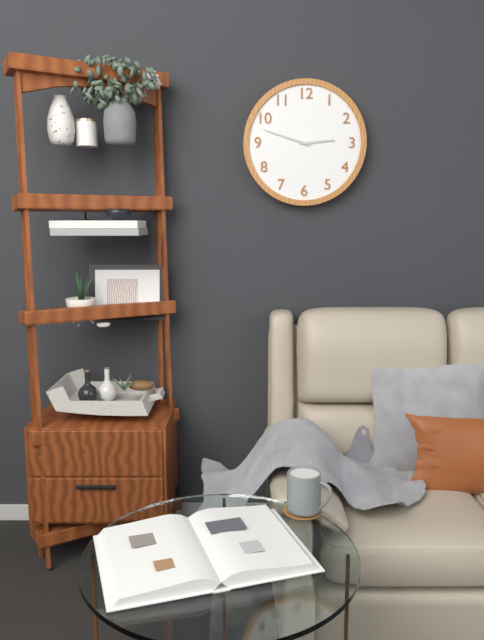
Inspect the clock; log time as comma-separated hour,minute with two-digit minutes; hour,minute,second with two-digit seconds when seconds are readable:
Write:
2,48
